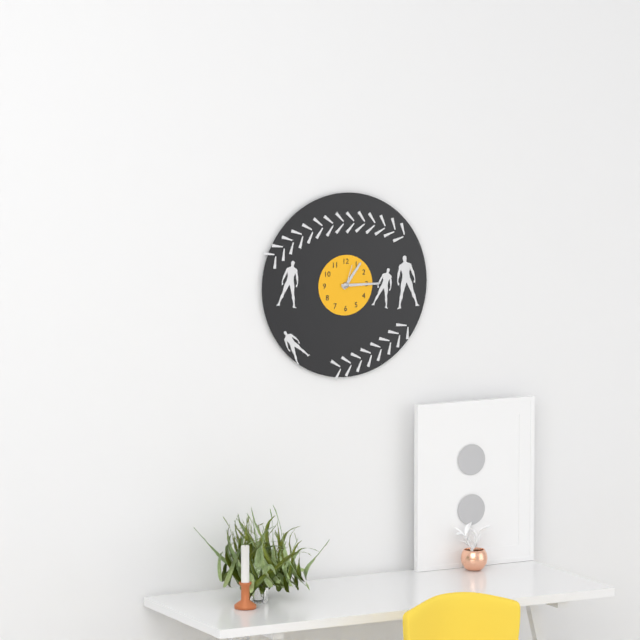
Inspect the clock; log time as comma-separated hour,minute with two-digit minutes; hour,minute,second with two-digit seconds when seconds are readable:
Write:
1,15
